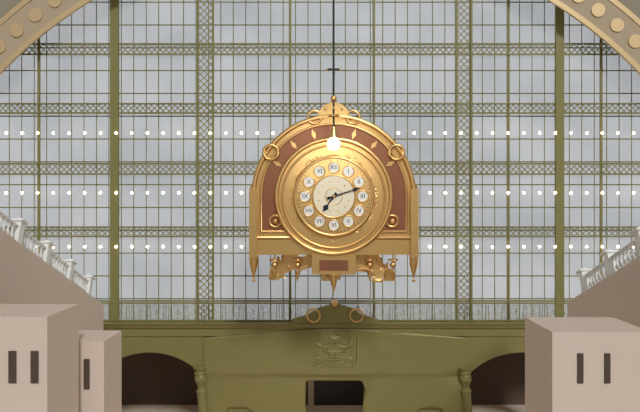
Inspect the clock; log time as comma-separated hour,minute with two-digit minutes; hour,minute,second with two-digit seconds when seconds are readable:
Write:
7,12
